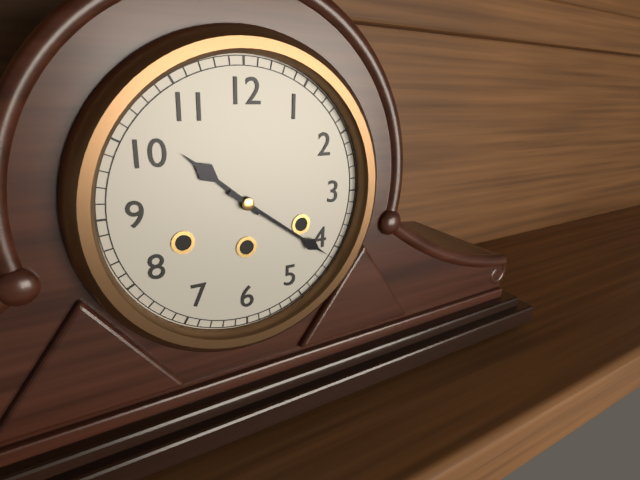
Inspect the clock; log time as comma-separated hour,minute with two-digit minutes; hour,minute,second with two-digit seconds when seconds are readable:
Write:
10,21
